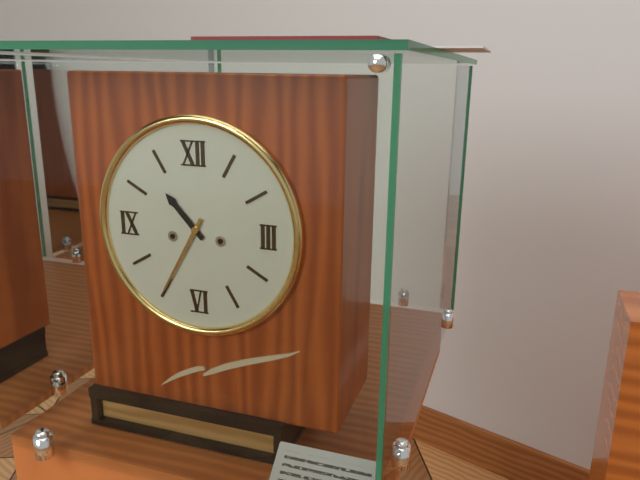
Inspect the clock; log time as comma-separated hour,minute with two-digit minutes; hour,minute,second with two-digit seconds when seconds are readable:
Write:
10,35
